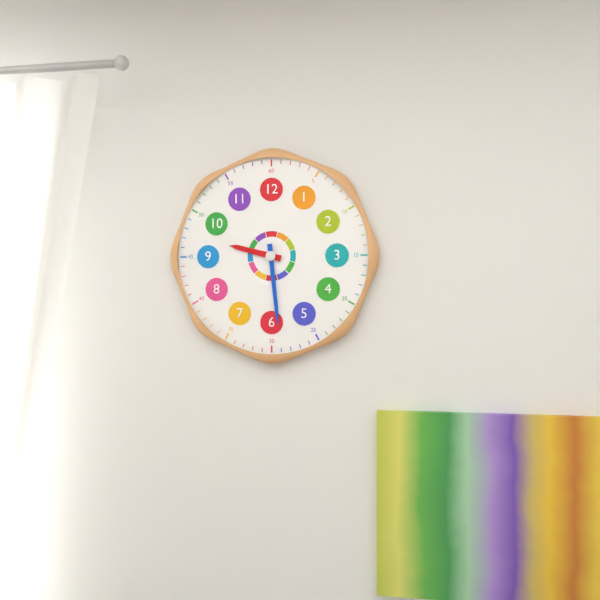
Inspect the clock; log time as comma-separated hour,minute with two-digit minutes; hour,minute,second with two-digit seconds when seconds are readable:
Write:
9,29
